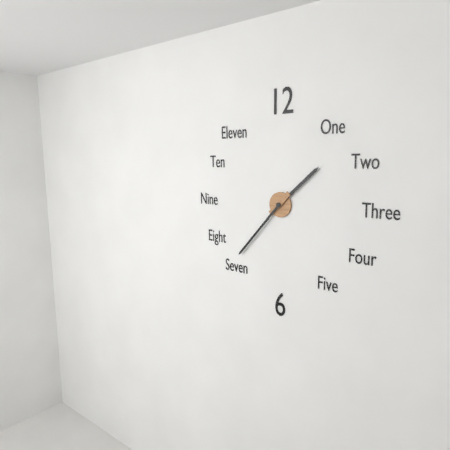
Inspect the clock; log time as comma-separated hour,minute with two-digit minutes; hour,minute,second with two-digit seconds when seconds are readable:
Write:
1,37
